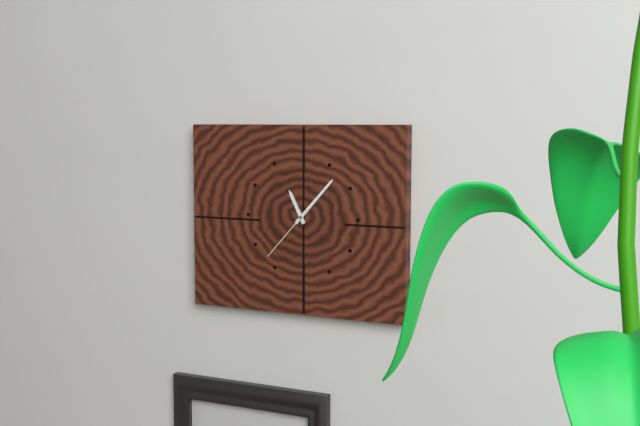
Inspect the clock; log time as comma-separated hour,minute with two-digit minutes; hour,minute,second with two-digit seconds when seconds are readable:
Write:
11,07,37
